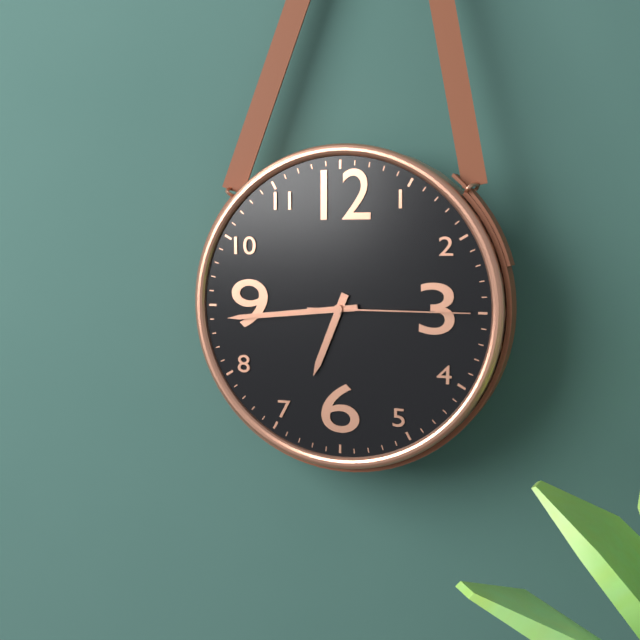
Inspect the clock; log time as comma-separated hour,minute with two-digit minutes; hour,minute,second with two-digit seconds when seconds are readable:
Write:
6,44,15
